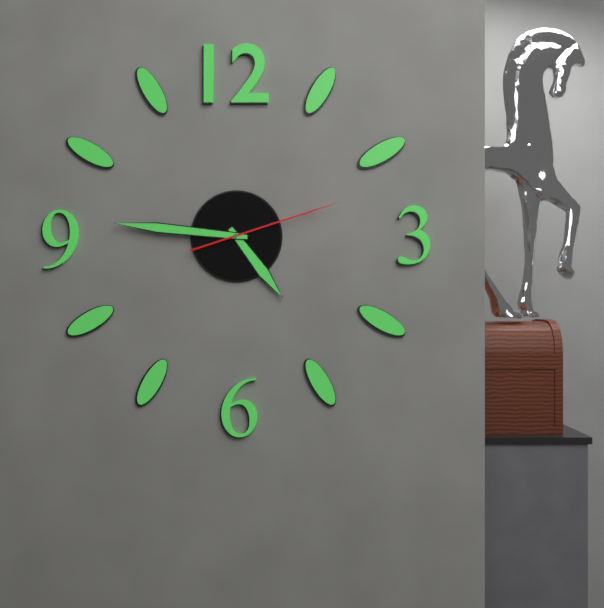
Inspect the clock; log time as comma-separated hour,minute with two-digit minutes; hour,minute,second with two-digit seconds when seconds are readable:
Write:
4,46,12
